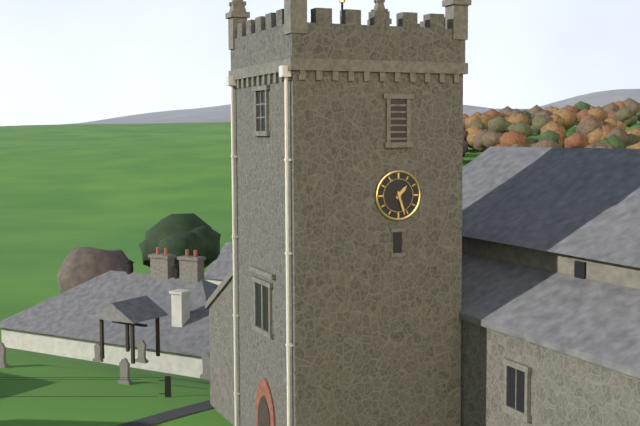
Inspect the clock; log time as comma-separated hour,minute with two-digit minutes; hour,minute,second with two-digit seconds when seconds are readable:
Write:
1,27
